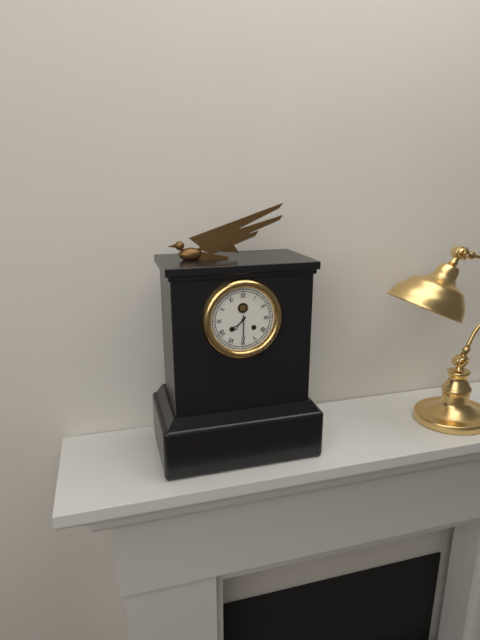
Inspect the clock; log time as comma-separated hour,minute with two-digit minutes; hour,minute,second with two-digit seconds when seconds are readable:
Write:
7,30
